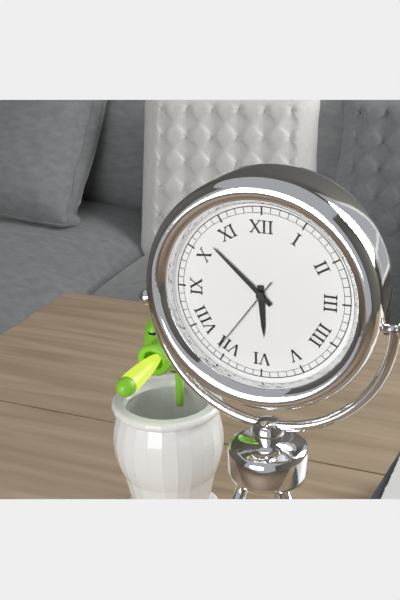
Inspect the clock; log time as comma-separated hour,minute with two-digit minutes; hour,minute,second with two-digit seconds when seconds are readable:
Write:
5,52,36
